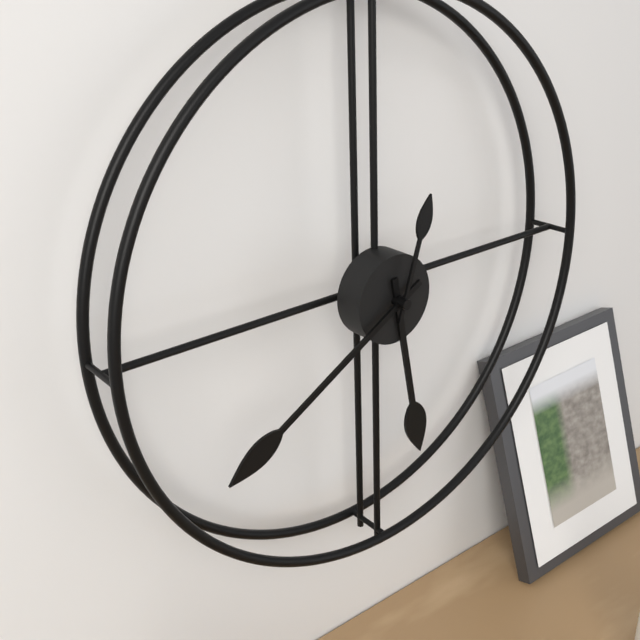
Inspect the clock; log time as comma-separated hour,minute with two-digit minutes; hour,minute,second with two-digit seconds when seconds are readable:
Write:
5,40,03
